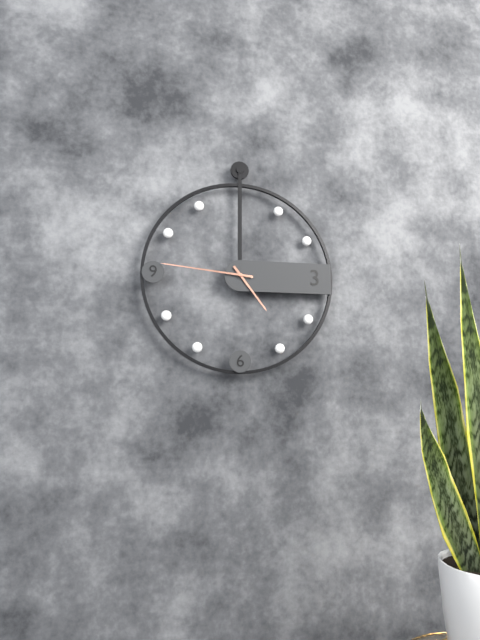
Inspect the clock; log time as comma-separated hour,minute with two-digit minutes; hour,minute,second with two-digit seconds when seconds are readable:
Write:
4,46
